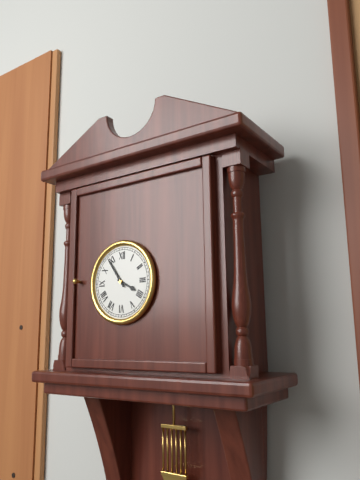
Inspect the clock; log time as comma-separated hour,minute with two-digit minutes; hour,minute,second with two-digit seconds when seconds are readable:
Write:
3,54
